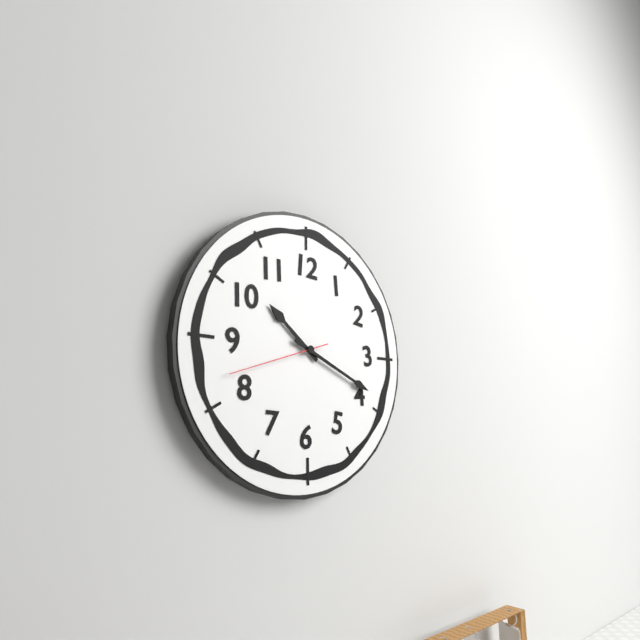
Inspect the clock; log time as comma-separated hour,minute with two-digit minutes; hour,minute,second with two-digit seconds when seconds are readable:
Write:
10,19,42
